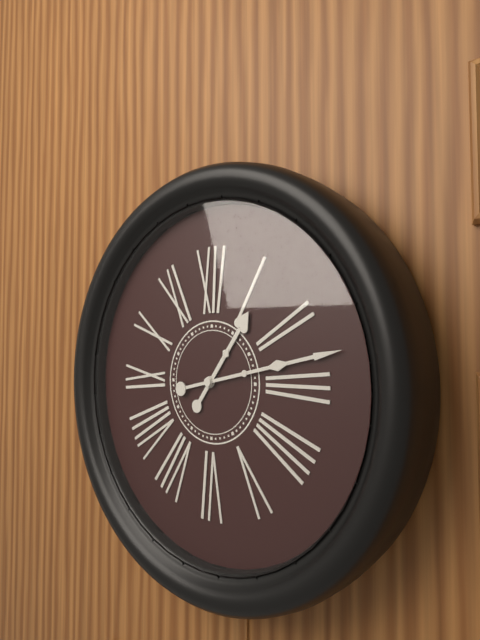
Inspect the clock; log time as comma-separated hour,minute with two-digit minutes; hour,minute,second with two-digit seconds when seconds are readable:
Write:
1,13
